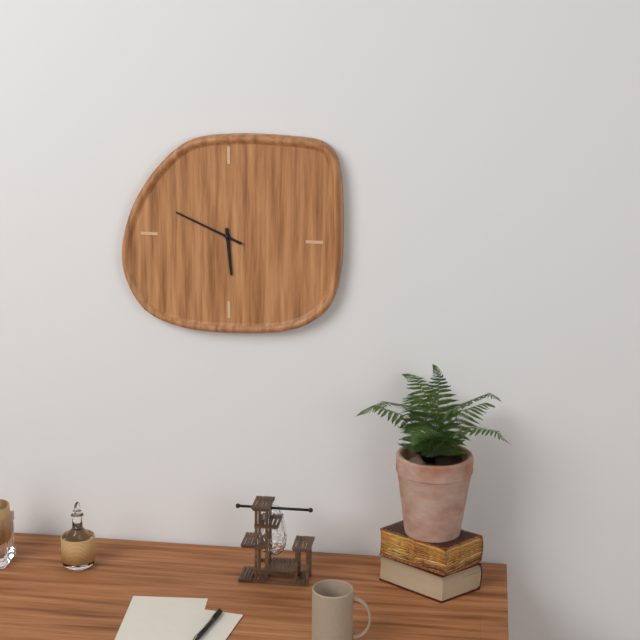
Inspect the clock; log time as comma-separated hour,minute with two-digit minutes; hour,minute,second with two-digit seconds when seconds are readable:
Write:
5,49
